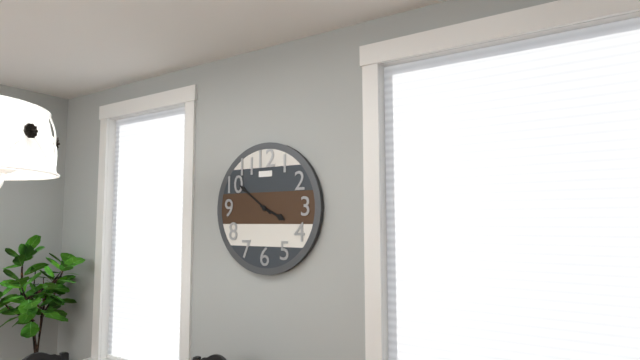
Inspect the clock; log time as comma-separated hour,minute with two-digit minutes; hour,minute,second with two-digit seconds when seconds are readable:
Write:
3,51
